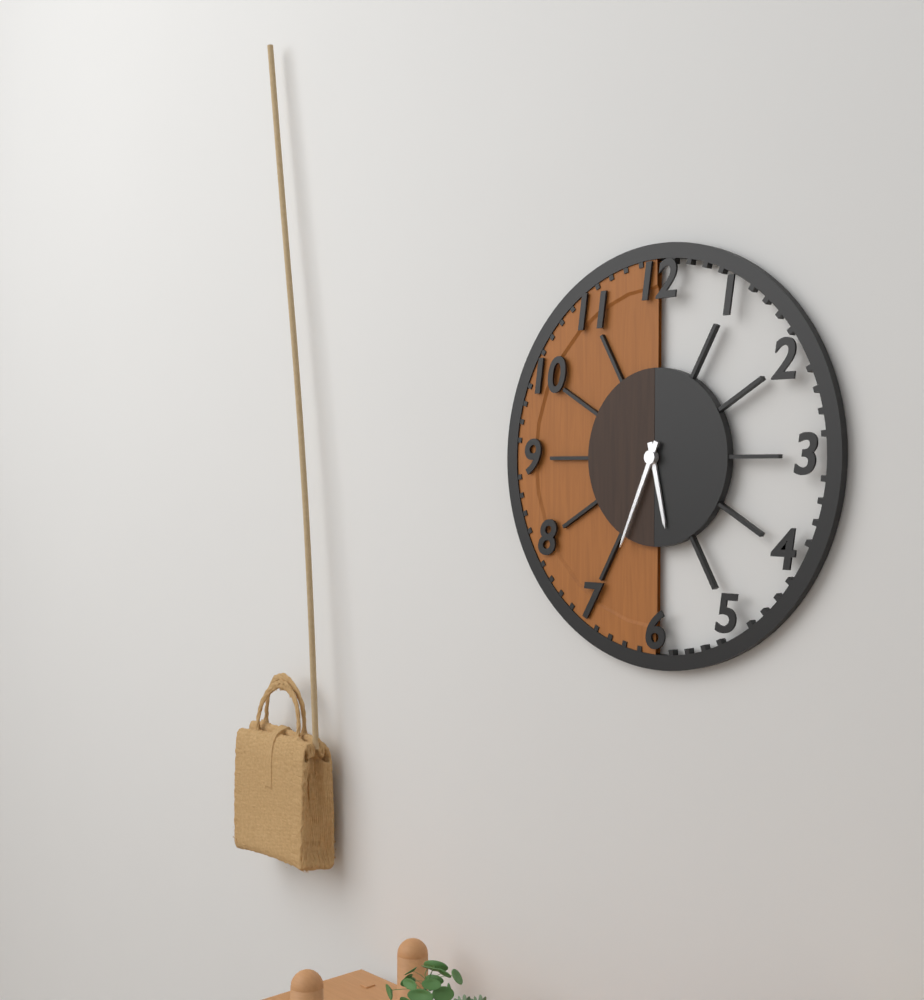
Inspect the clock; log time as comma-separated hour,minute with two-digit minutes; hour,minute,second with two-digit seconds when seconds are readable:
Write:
5,34
